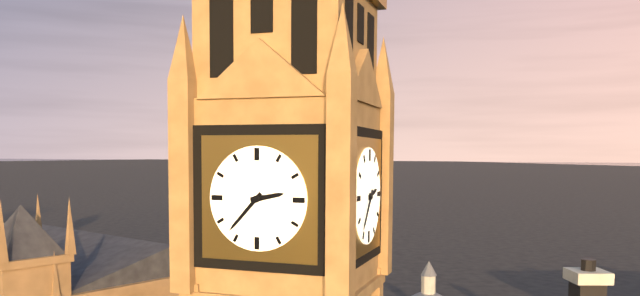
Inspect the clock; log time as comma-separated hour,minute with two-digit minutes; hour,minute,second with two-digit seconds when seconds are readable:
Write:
2,37
